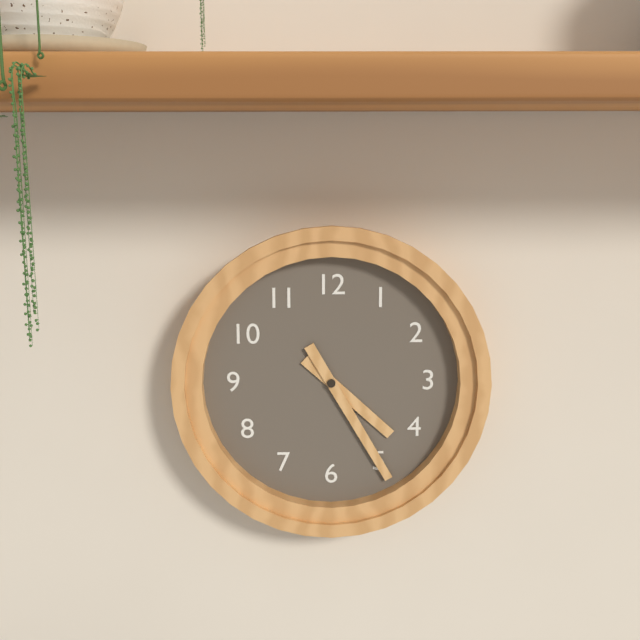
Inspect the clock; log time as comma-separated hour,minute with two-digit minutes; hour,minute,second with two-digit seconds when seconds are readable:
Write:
4,25
